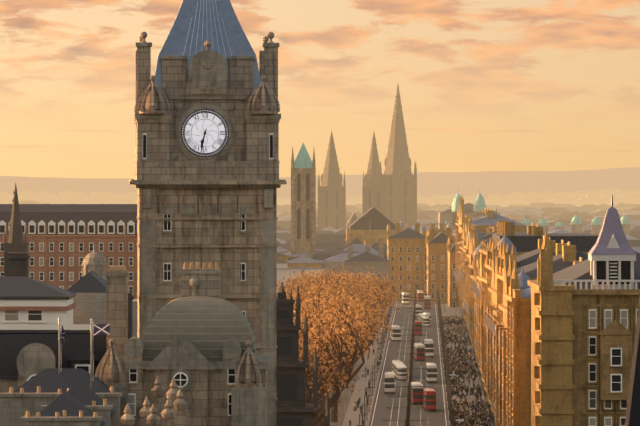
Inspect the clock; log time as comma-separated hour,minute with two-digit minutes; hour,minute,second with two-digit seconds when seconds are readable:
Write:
6,32
